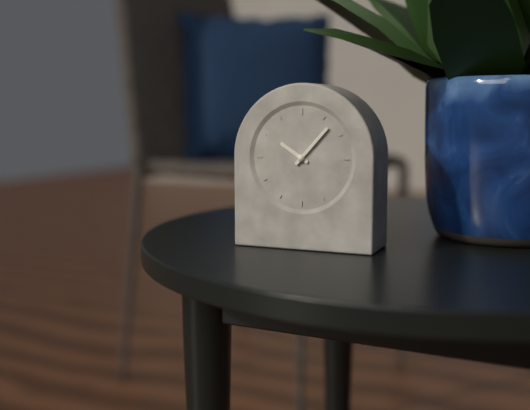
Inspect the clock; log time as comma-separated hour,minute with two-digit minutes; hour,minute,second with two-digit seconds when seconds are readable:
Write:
10,07
